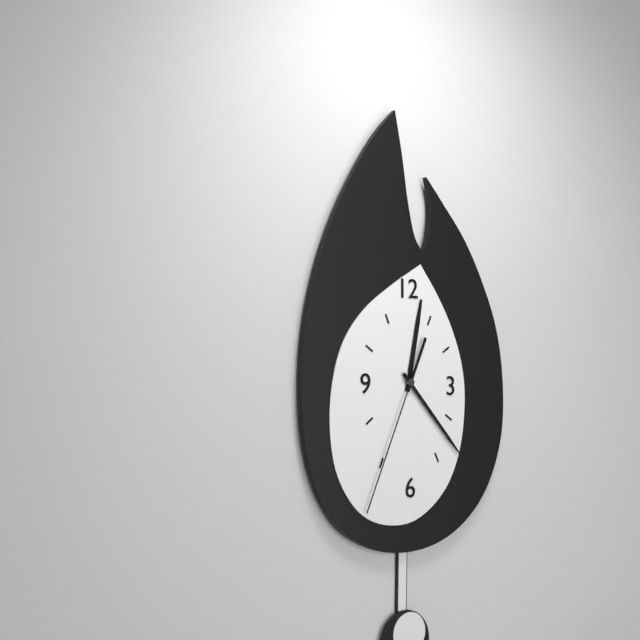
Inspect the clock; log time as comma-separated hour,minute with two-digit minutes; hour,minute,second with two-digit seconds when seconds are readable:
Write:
12,23,34
